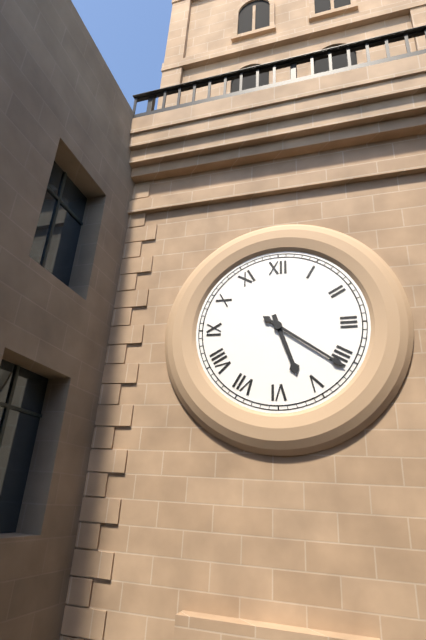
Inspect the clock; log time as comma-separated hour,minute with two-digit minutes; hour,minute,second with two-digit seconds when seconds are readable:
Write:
5,21
